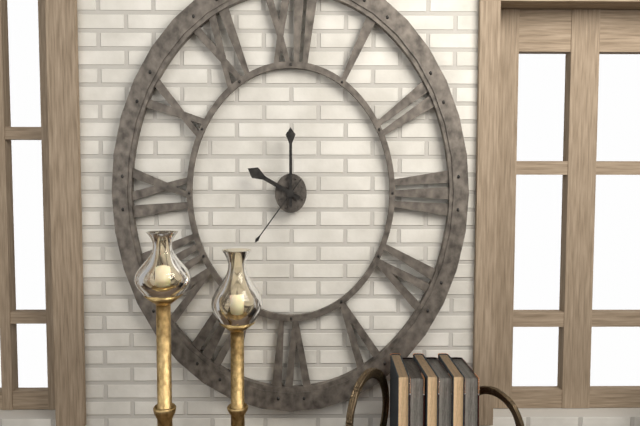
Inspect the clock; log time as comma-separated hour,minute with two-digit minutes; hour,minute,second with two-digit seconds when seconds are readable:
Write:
10,00,36
